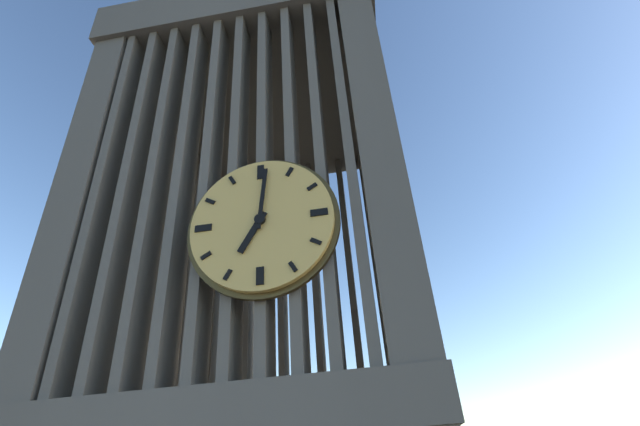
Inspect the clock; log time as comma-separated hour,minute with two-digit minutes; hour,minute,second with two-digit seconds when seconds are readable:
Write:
7,01
